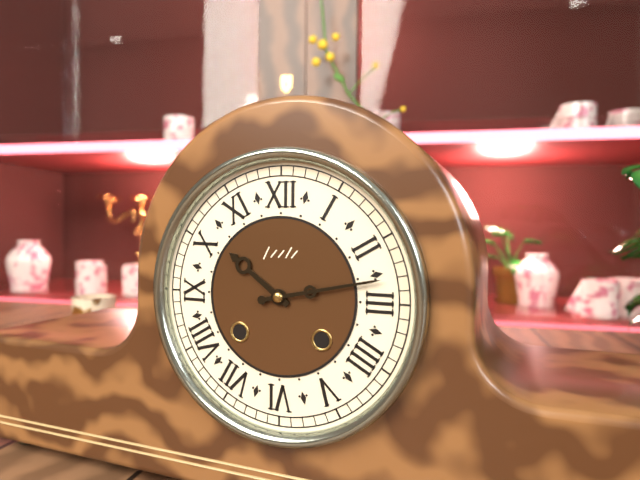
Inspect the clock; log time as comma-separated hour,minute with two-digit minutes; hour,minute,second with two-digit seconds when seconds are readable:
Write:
10,13
